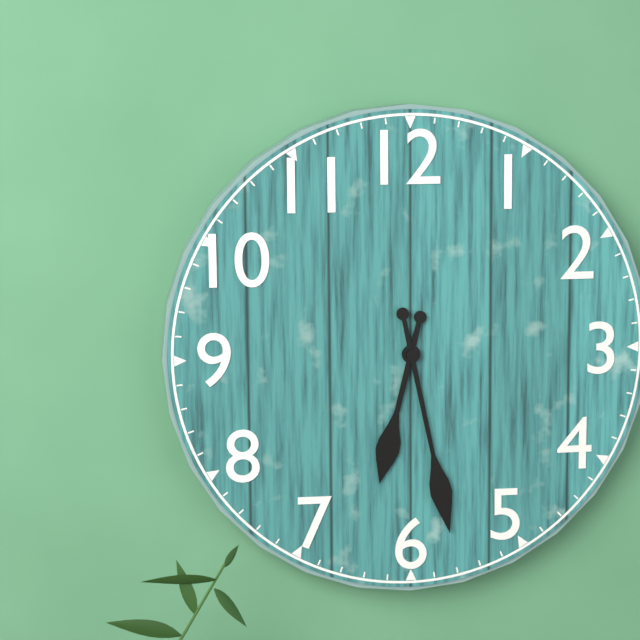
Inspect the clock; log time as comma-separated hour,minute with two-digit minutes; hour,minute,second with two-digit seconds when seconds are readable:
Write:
6,28
